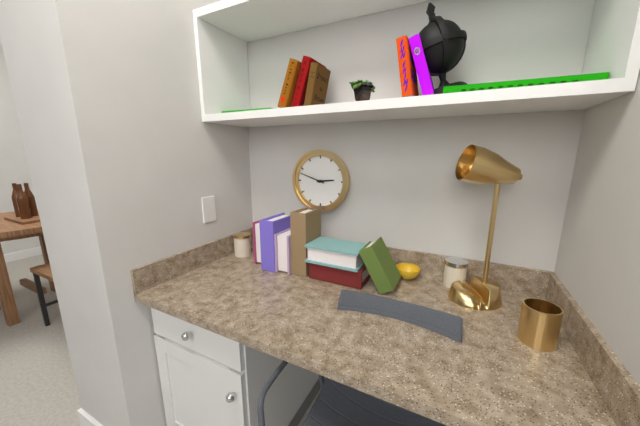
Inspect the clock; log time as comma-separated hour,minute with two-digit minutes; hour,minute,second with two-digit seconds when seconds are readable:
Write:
2,48
